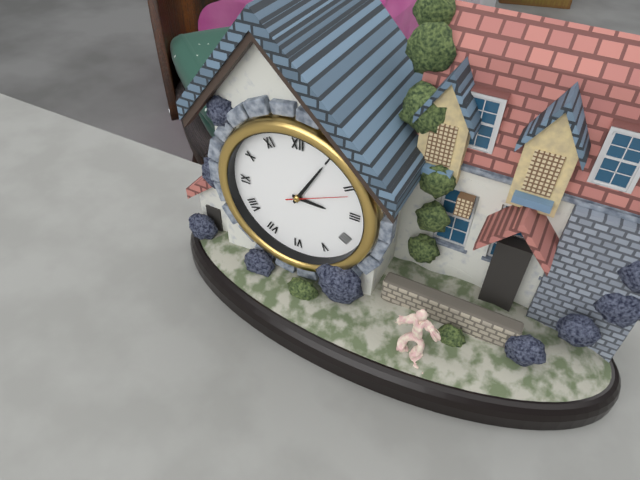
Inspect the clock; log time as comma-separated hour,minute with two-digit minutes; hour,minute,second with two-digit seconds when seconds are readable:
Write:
3,05,11
